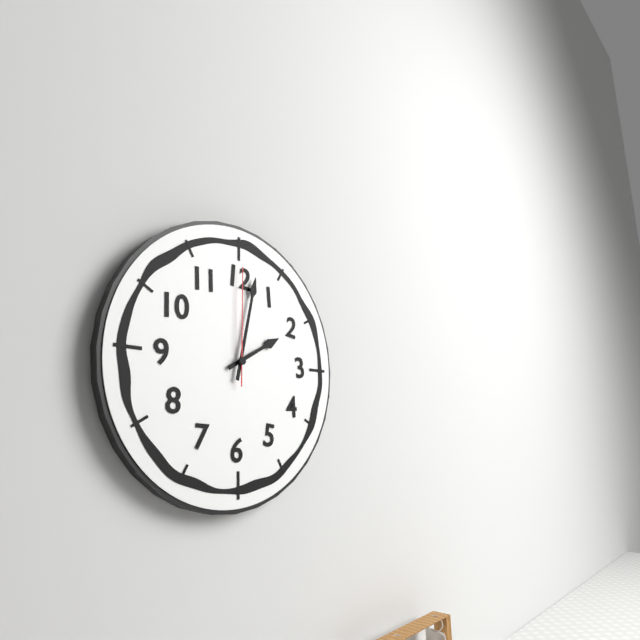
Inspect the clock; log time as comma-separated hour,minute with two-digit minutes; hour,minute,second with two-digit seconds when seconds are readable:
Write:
2,02,00
